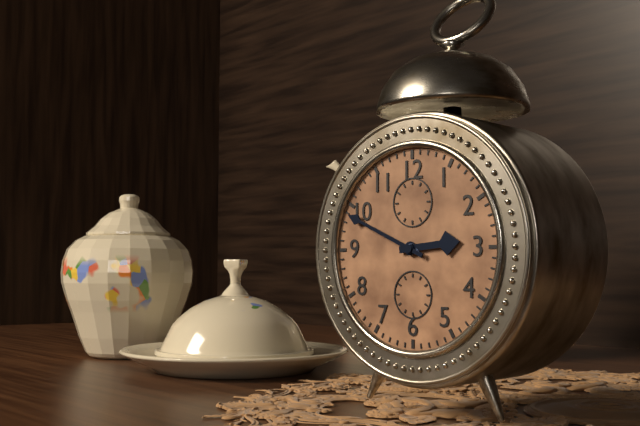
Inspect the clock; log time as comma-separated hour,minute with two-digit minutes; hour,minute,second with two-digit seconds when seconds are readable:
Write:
2,49
